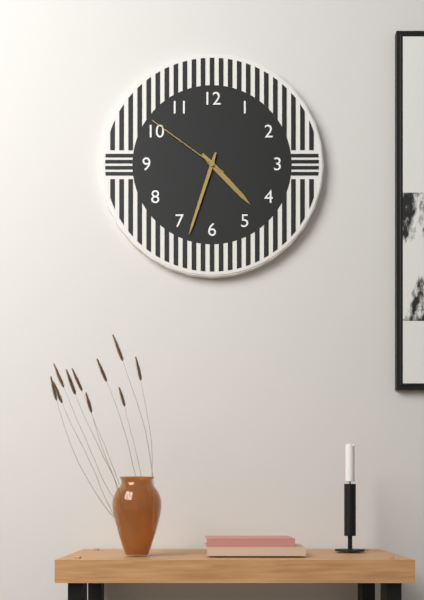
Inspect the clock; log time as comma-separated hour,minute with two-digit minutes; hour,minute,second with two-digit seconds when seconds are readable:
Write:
4,33,51
